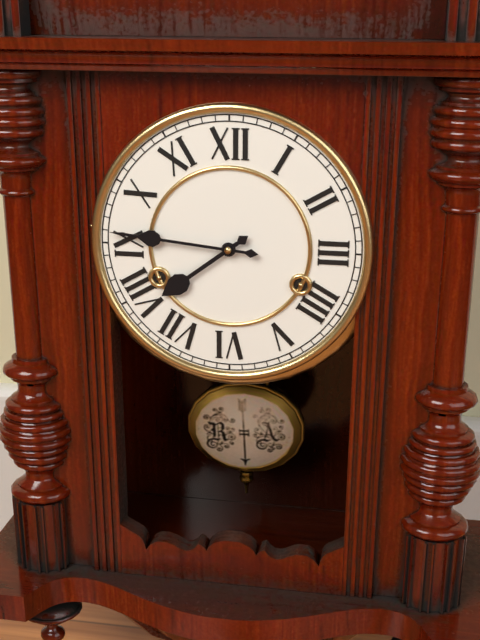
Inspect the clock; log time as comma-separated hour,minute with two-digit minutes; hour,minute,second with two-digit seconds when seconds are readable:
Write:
7,46
